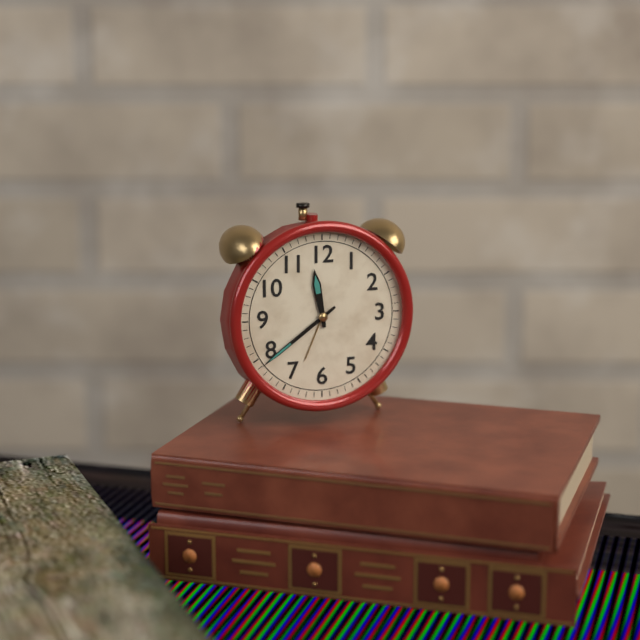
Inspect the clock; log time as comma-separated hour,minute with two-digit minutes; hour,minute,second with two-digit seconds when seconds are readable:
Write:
11,39
